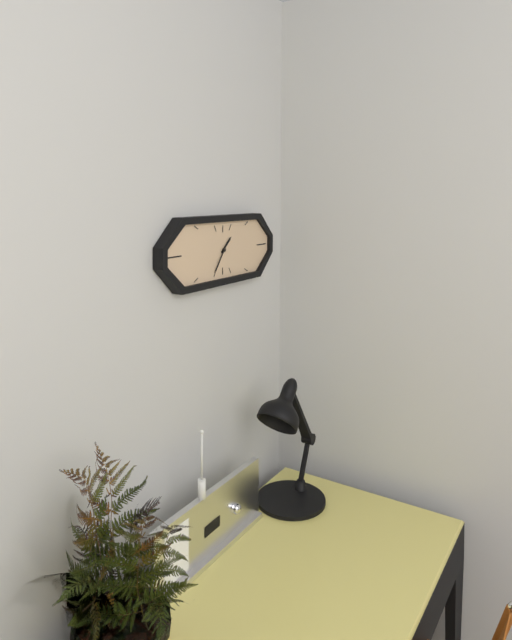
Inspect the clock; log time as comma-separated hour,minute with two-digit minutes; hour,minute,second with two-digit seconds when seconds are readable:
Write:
1,36
